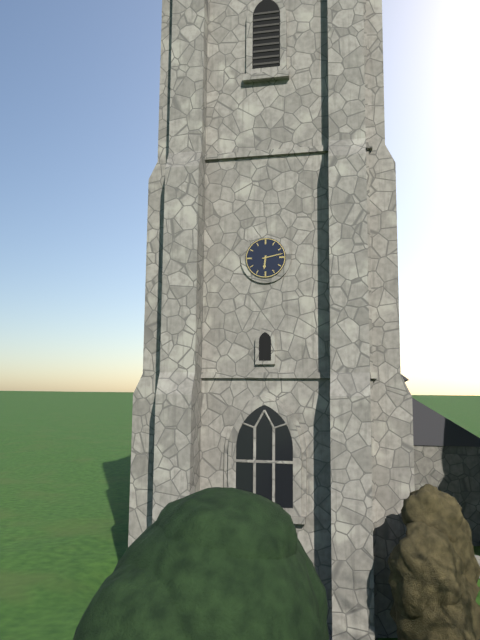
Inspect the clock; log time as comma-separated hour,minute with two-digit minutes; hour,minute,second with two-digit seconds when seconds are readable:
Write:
6,13
